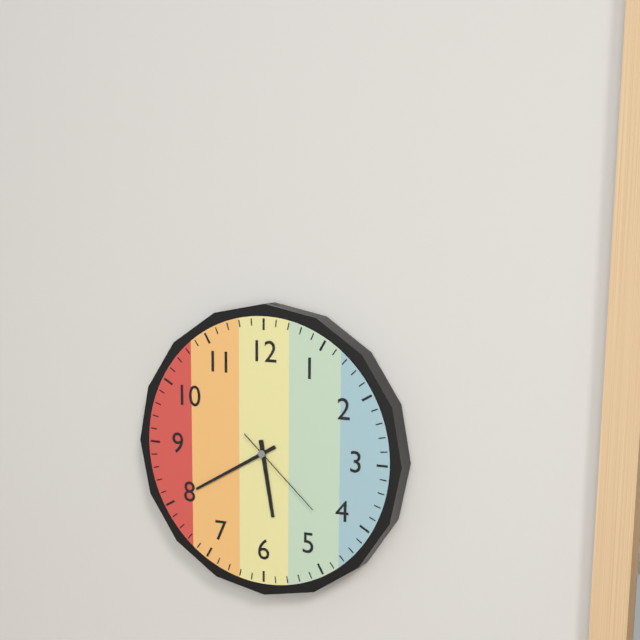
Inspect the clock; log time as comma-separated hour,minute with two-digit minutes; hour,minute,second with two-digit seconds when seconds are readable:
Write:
5,40,22
